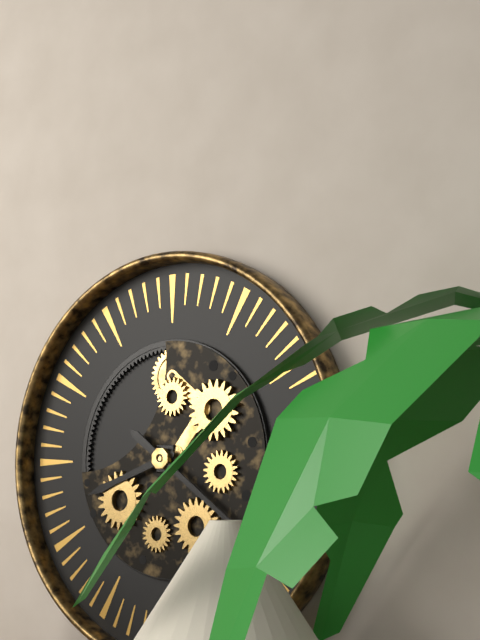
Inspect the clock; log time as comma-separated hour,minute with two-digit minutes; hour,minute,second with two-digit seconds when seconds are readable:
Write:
8,21
